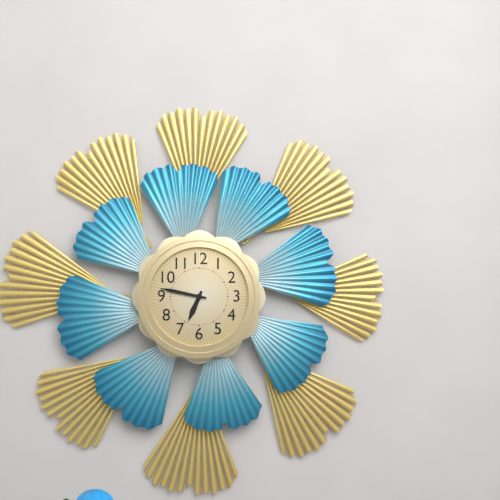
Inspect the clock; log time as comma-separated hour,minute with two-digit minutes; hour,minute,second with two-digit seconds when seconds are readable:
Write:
6,47
